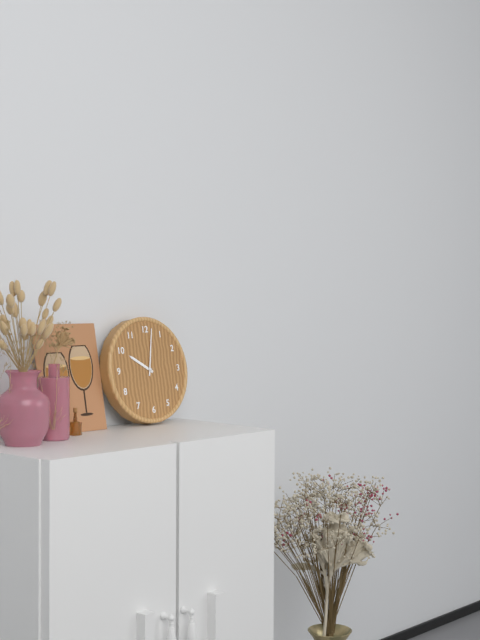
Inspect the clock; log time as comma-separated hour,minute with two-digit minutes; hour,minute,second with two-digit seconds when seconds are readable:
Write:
10,02
